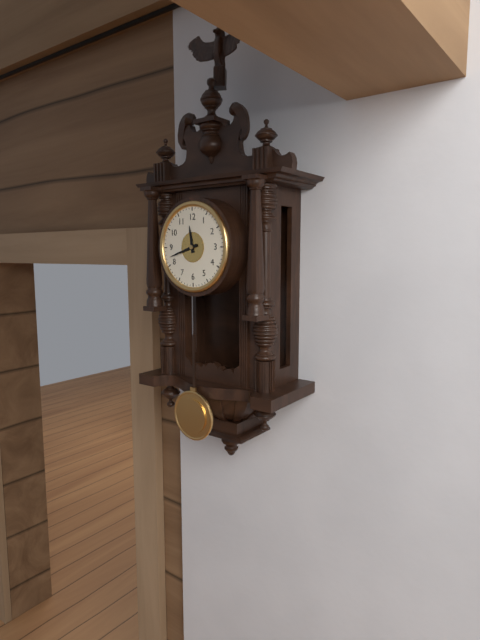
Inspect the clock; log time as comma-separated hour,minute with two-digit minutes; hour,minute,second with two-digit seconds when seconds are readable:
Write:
11,42
